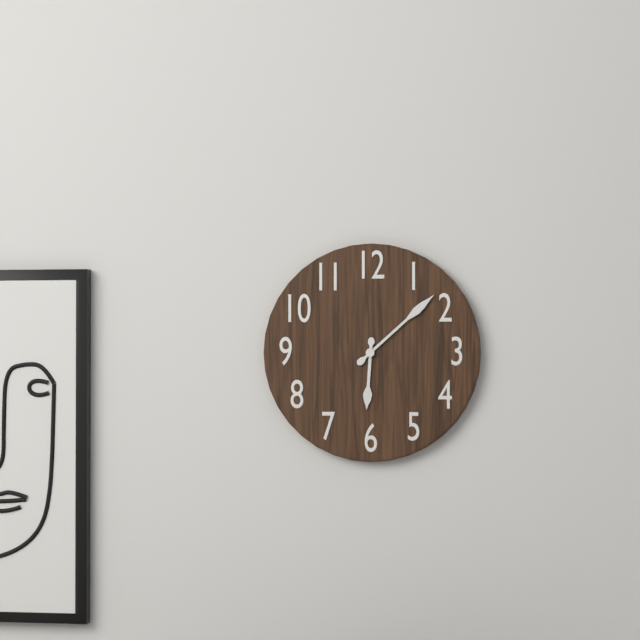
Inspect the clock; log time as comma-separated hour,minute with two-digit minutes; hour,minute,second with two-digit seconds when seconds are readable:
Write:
6,08
